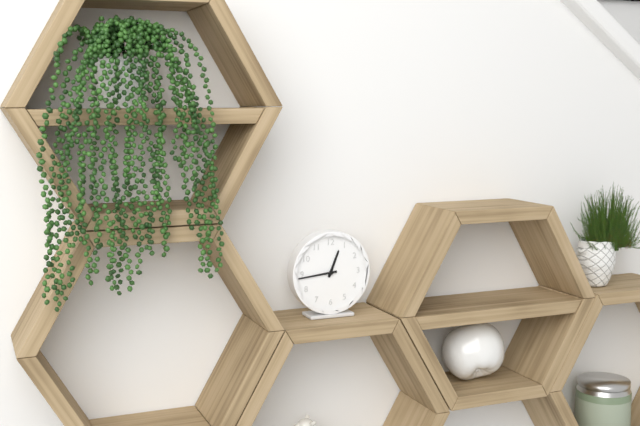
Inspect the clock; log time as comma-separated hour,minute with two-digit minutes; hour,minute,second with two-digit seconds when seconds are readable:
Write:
12,44
